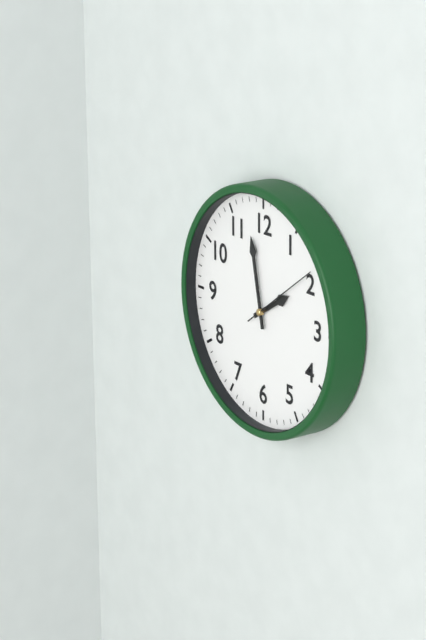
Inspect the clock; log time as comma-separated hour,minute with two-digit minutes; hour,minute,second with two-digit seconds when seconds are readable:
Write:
1,58,09
